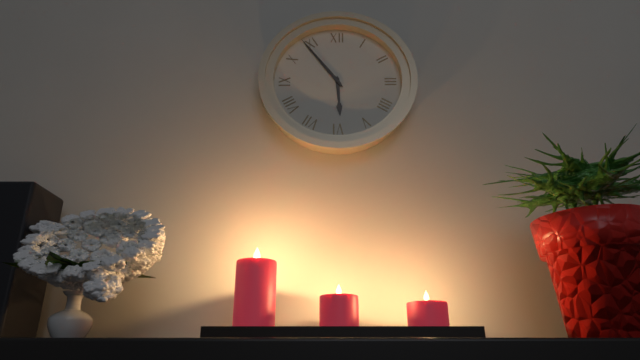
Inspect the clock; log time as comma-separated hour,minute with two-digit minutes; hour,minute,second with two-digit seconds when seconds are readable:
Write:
5,54
